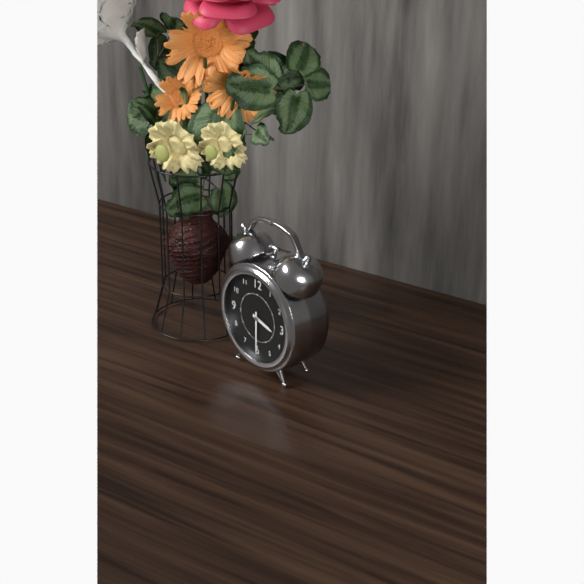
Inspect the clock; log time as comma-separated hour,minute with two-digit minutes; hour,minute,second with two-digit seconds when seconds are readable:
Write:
3,30
